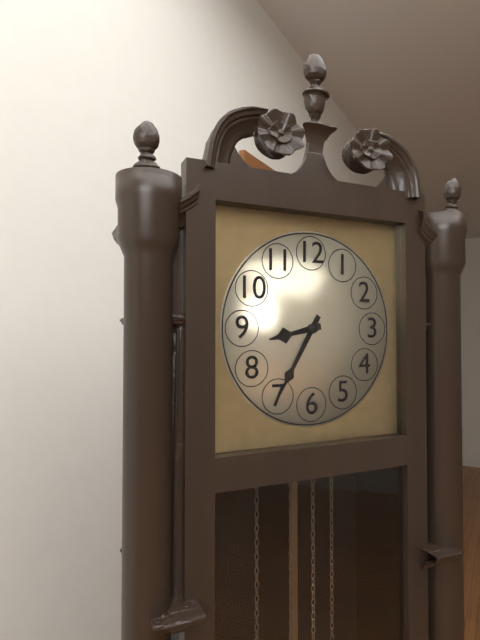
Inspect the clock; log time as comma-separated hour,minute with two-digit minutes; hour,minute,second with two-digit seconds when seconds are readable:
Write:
8,35
